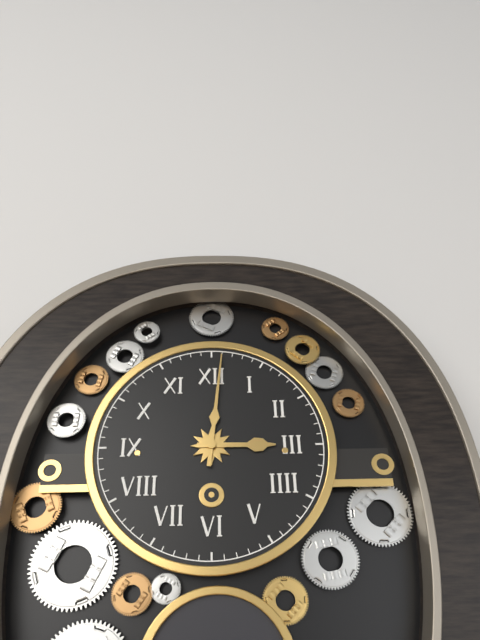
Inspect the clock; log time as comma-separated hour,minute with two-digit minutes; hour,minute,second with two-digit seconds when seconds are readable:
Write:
3,01
